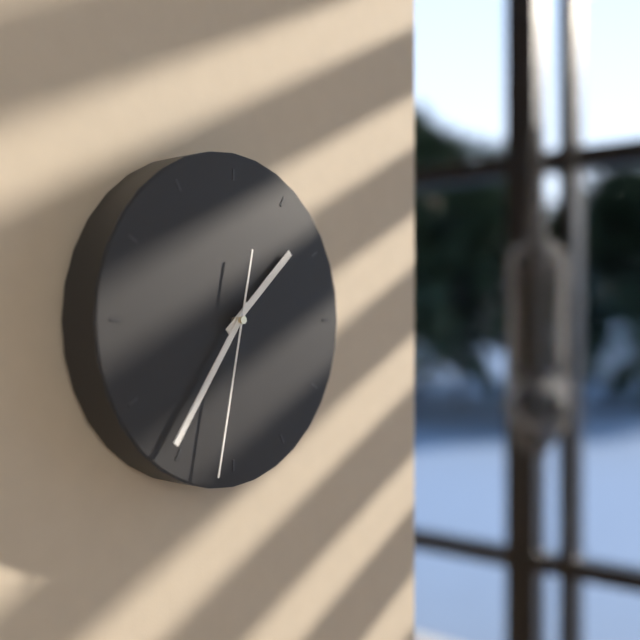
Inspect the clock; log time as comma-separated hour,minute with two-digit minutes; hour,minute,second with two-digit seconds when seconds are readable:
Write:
1,36,32
